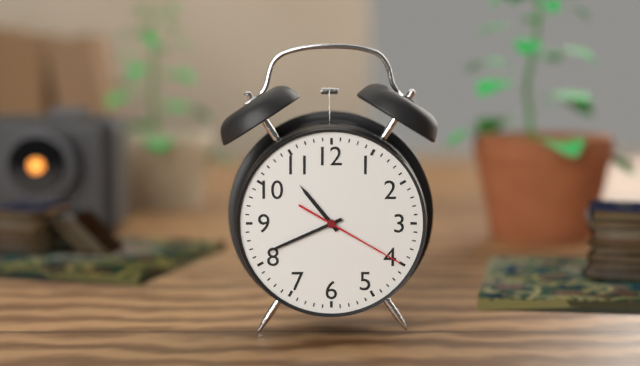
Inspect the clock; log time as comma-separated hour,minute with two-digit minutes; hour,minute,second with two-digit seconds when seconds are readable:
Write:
10,41,20
